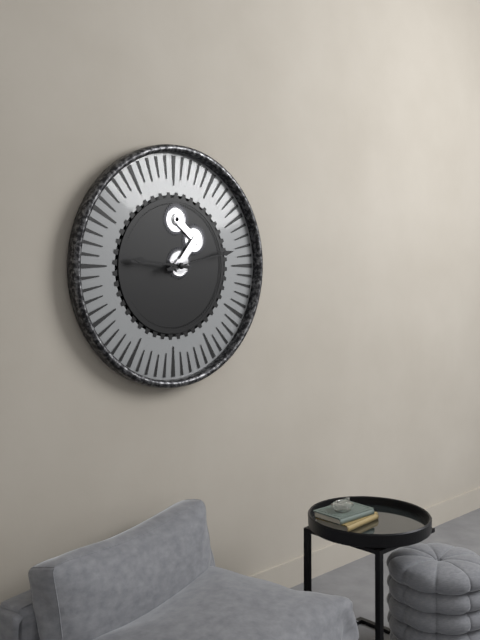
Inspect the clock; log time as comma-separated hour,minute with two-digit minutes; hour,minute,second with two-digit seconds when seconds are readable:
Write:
9,13
